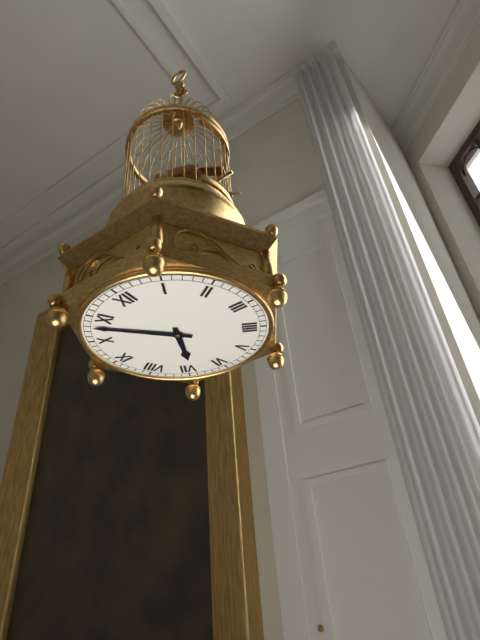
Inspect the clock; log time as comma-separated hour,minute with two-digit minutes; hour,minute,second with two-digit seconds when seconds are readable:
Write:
6,53
